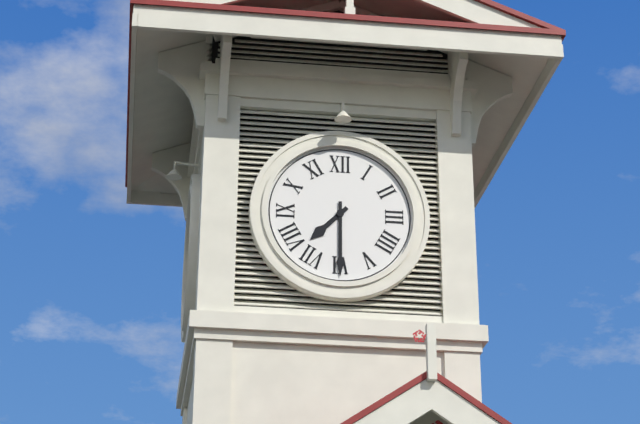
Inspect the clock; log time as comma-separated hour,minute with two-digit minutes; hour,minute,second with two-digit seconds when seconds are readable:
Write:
7,30
